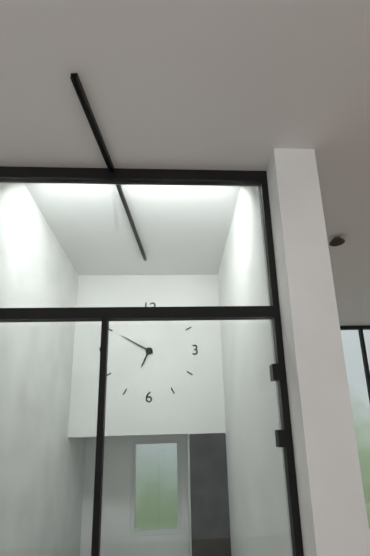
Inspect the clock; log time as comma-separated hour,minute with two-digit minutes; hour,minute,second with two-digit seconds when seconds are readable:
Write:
6,50
